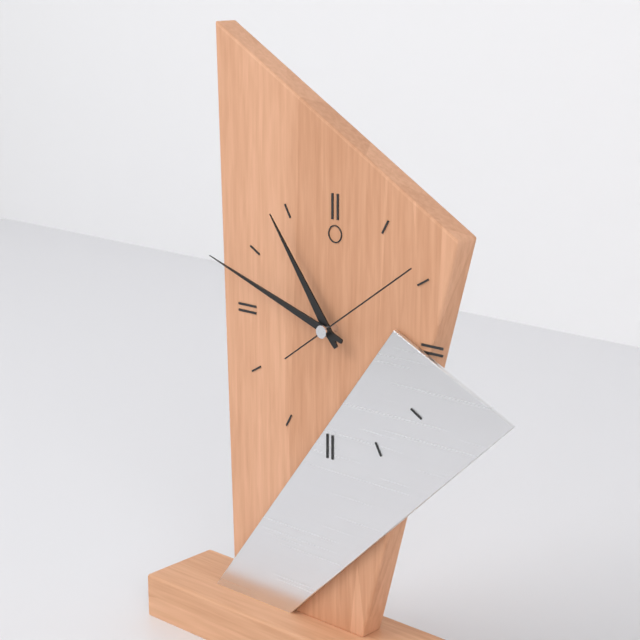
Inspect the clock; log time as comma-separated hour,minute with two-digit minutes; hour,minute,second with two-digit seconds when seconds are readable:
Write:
10,48,09
